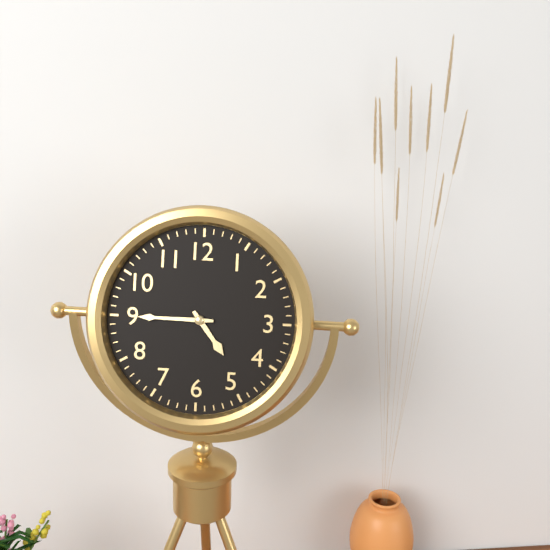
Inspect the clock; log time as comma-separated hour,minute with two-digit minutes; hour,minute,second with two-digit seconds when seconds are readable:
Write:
4,45
